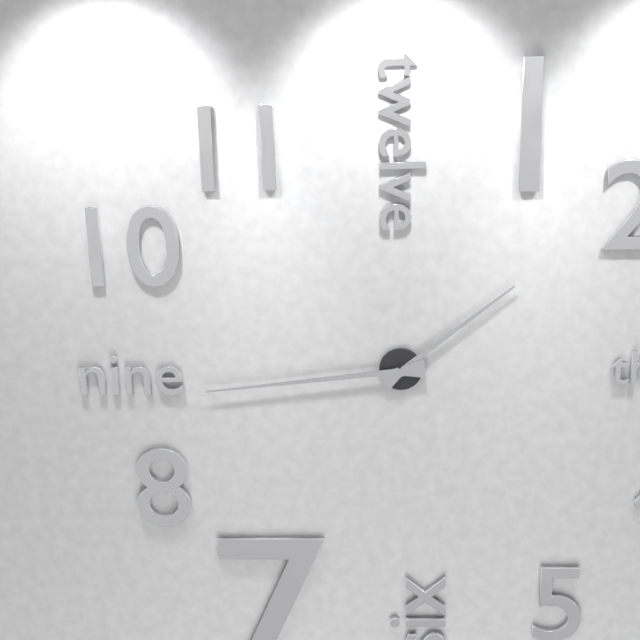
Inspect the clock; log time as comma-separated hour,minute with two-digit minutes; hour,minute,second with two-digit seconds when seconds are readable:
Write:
1,44
